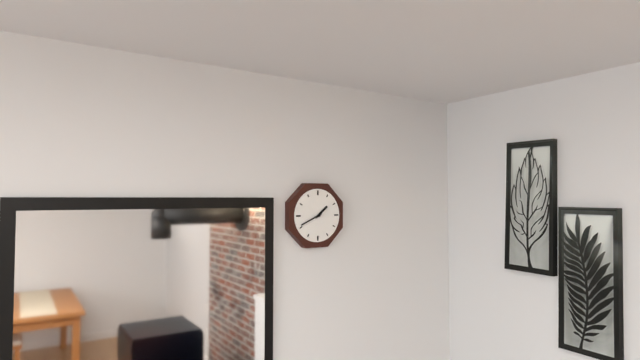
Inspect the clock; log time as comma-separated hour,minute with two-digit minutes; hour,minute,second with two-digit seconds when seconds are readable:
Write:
1,41
